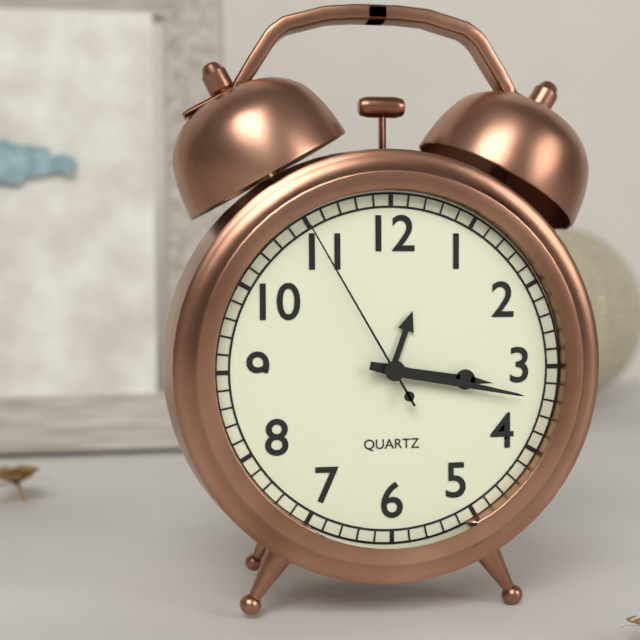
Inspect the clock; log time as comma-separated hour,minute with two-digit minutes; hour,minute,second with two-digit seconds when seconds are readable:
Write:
3,17,55
